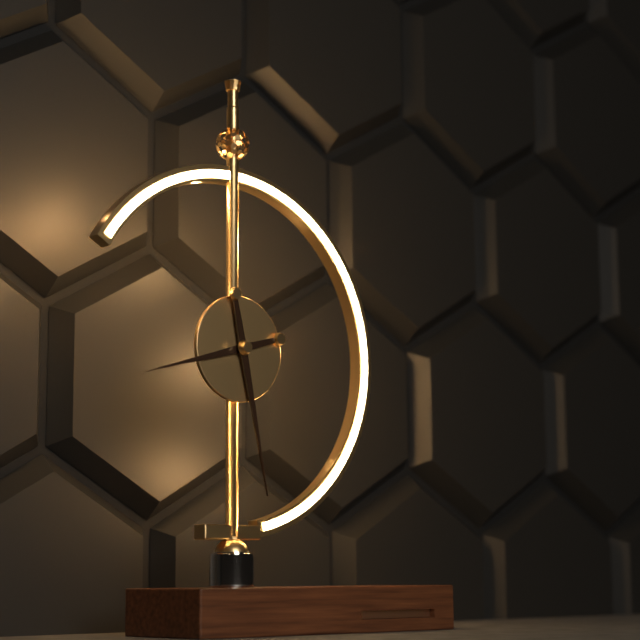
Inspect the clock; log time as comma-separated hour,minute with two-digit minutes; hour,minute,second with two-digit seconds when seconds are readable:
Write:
8,28
